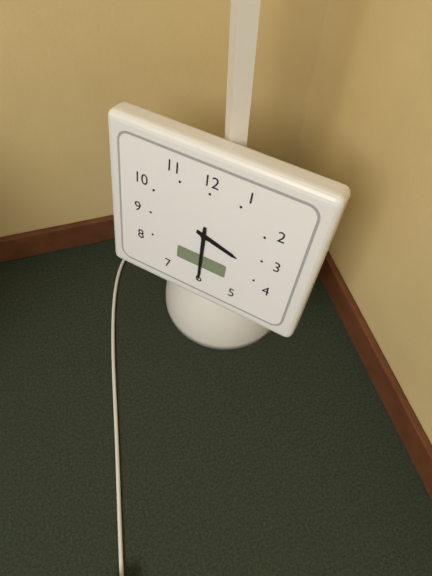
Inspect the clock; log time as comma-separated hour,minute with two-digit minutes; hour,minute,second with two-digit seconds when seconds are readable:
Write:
3,30
